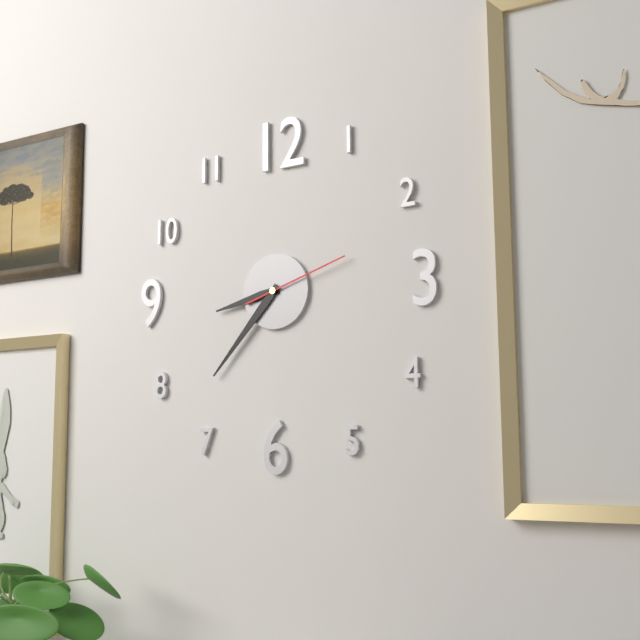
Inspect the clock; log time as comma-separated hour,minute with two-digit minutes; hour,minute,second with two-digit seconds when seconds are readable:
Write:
8,37,12
